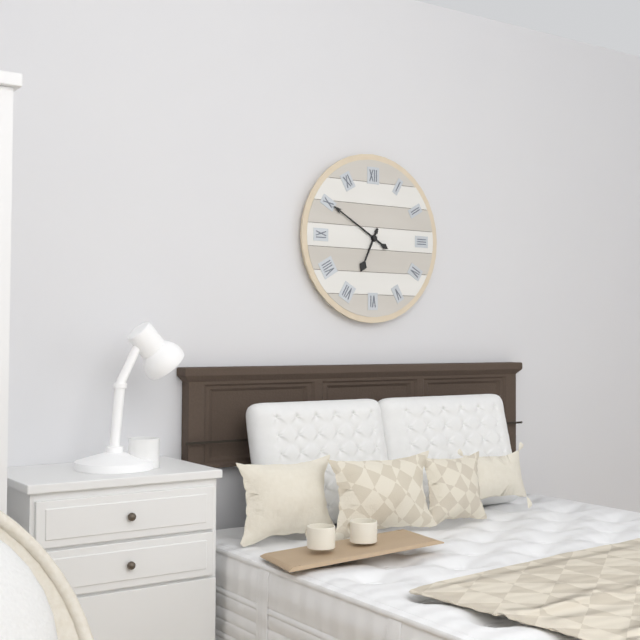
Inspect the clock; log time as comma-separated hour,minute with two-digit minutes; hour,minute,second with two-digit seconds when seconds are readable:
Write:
6,50
